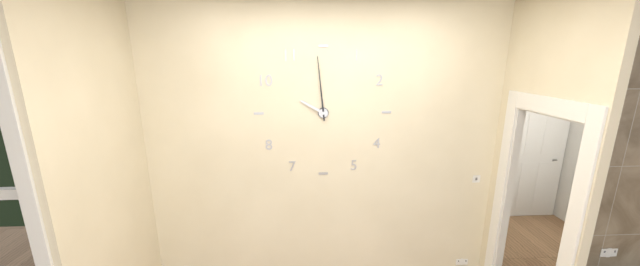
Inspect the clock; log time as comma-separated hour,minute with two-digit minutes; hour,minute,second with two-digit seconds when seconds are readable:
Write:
9,59
